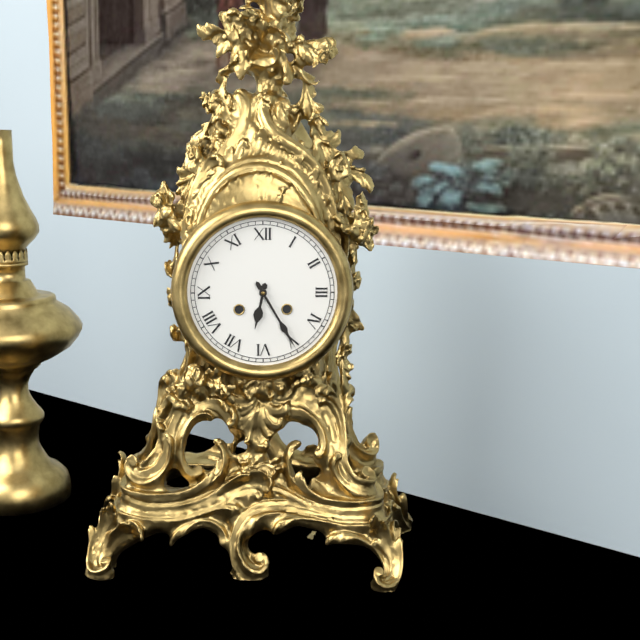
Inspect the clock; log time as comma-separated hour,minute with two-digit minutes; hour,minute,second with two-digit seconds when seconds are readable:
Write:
6,25
